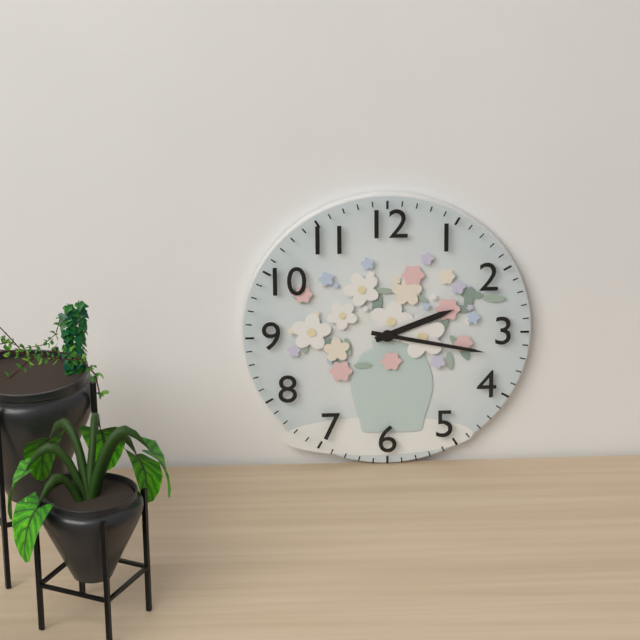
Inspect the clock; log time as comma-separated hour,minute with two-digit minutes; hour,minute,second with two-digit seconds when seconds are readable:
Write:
2,17
